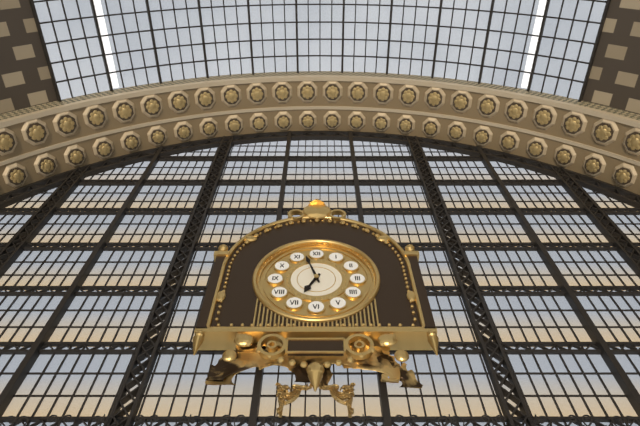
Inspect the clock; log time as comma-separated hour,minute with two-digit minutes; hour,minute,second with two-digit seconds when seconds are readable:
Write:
6,57
